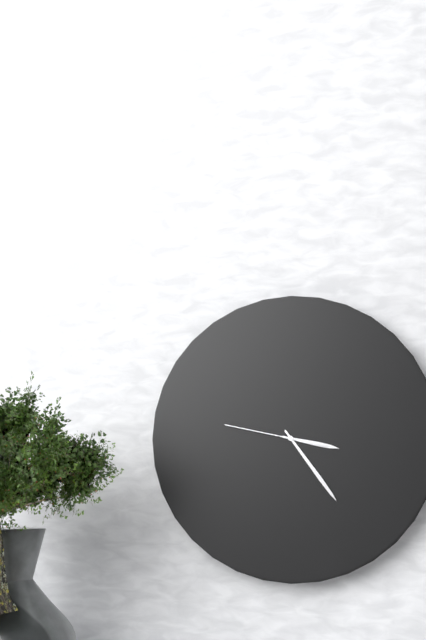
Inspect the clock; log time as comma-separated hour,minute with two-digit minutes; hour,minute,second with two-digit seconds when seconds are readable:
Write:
3,24,47
